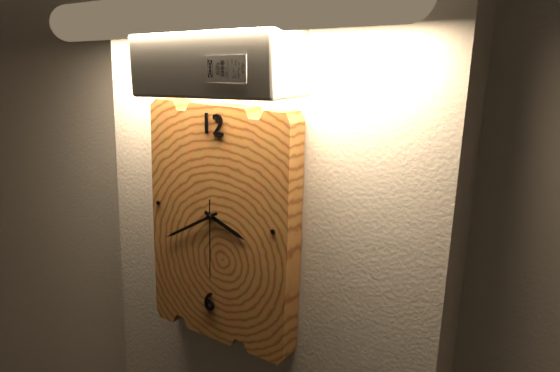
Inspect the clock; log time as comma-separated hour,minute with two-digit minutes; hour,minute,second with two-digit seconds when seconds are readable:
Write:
3,40,30
